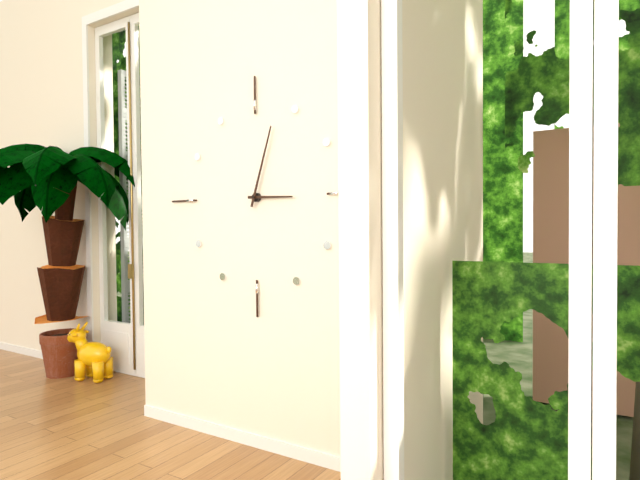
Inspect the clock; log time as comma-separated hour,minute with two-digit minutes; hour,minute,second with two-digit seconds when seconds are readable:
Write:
3,03
